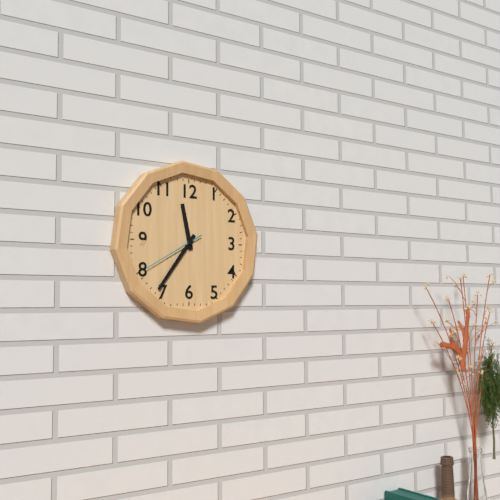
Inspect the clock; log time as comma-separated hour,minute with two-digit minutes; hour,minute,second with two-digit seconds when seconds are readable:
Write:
11,36,40
